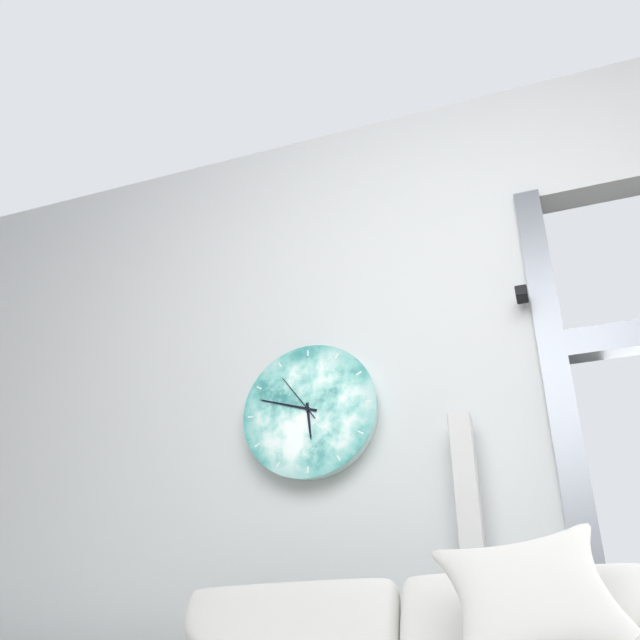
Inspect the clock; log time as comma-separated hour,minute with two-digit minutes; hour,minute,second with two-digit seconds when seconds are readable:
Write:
5,48,54
